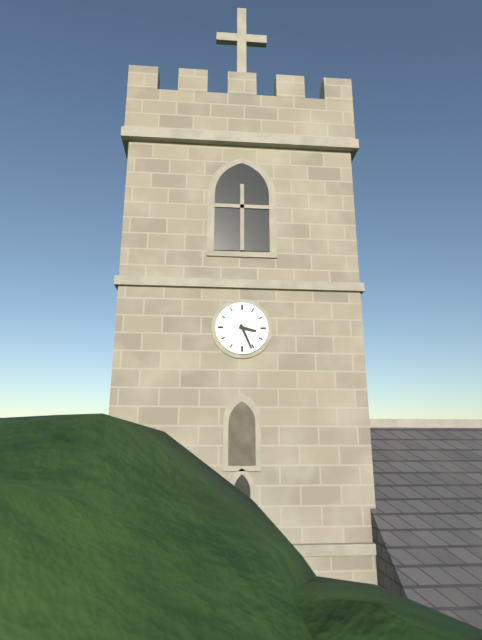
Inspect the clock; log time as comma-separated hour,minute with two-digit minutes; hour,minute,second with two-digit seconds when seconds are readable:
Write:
3,26
